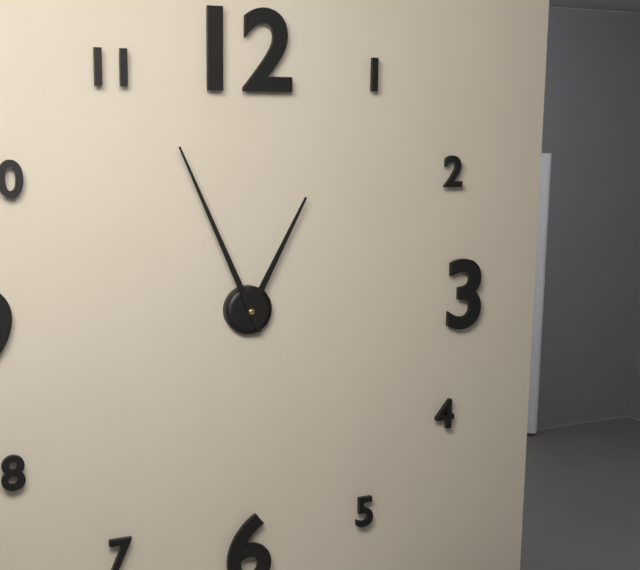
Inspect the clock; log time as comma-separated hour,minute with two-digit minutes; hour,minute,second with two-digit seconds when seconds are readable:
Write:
12,56
